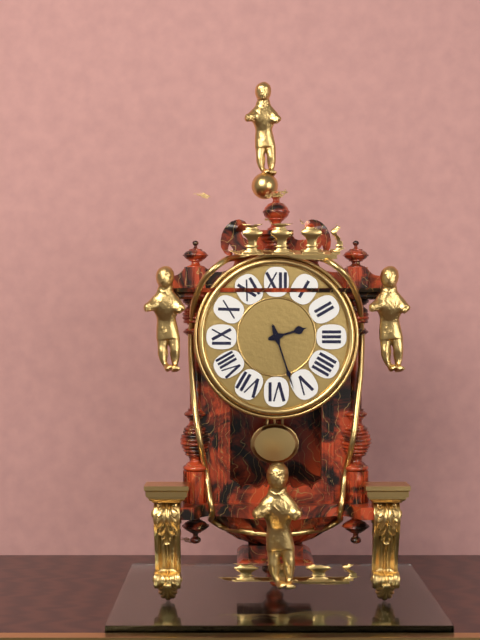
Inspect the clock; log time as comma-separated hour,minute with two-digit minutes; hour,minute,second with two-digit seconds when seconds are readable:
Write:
2,27
